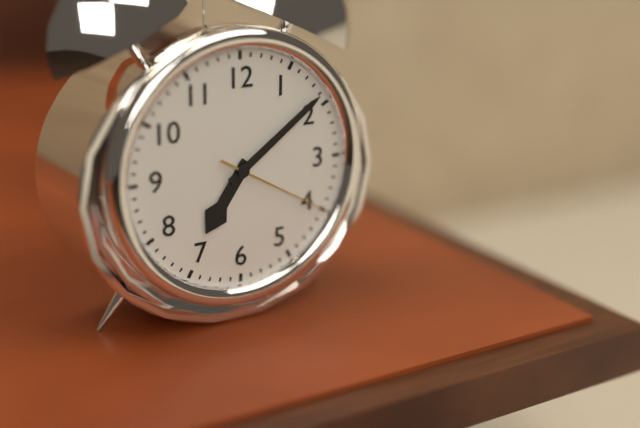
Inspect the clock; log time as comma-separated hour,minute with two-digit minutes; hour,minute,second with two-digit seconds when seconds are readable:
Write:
7,09,20
